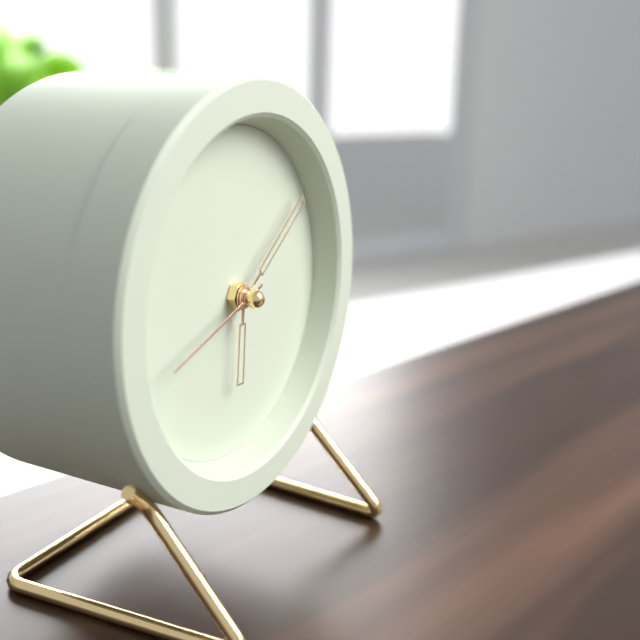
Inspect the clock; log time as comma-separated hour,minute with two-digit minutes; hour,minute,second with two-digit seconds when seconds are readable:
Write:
6,09,42
